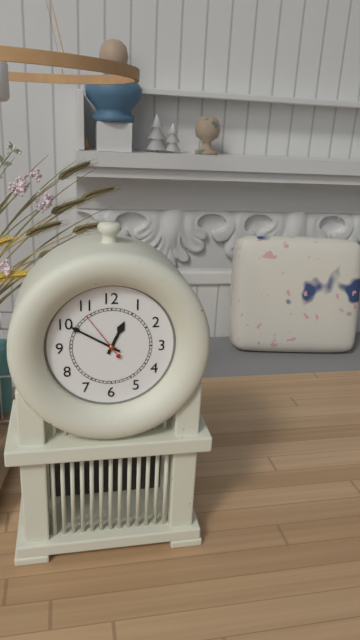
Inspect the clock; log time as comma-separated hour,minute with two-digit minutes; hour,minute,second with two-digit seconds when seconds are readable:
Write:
12,50,54
